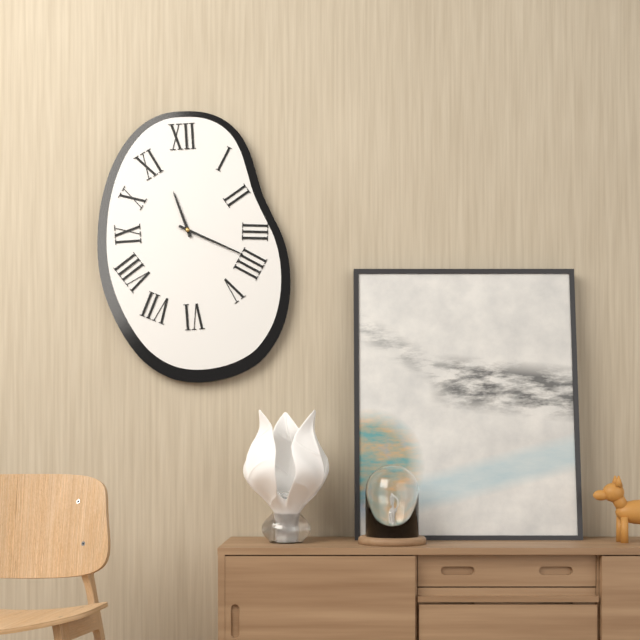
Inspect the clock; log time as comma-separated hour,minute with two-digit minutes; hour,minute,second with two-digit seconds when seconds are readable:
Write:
11,19
